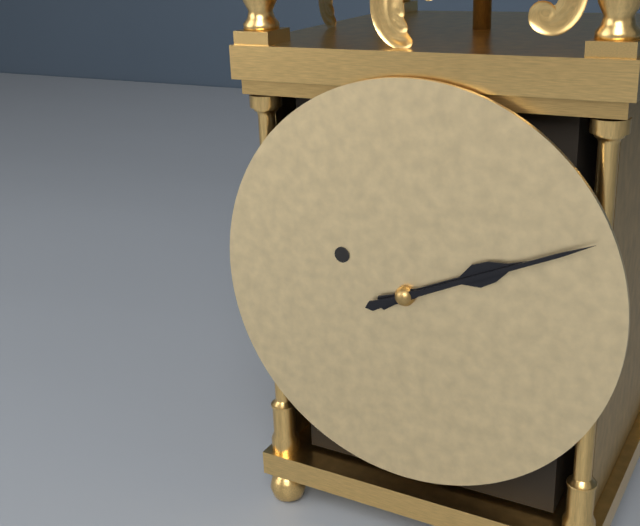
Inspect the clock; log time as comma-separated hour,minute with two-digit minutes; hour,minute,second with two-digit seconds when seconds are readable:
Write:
2,11
